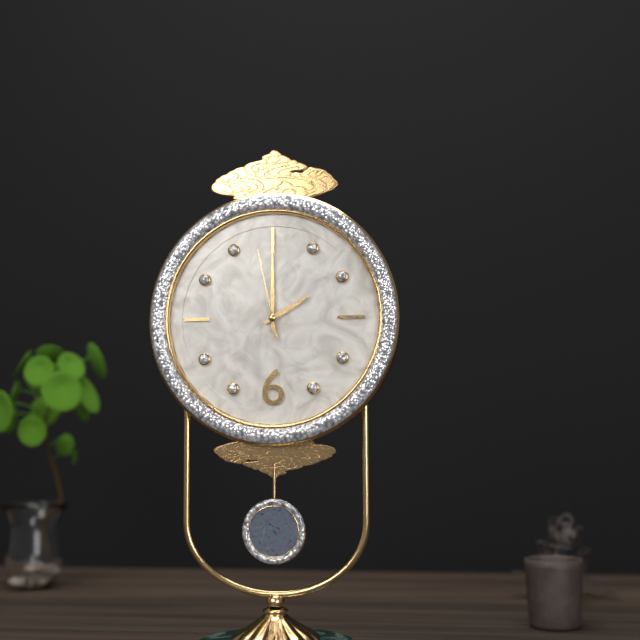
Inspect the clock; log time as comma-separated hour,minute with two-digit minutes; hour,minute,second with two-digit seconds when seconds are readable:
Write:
2,00,58
